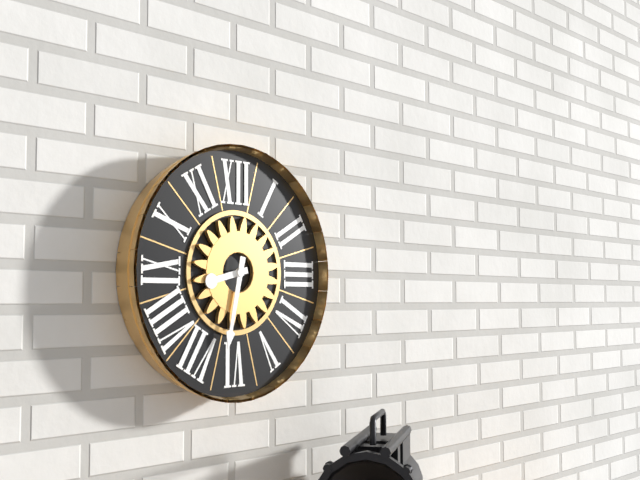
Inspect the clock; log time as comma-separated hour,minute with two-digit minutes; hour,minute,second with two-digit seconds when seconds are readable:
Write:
8,32
